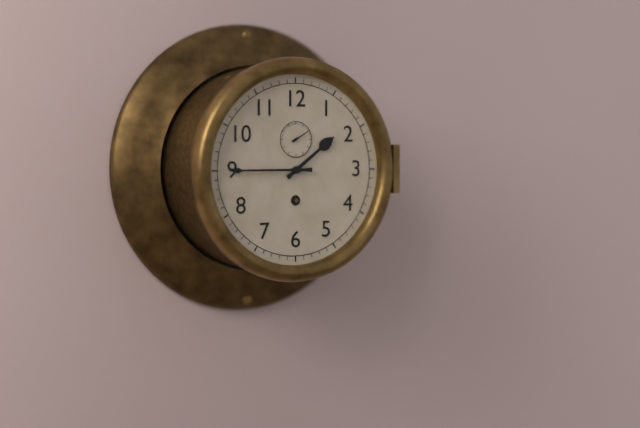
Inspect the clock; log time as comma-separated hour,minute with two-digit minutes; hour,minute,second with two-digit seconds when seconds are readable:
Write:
1,45
